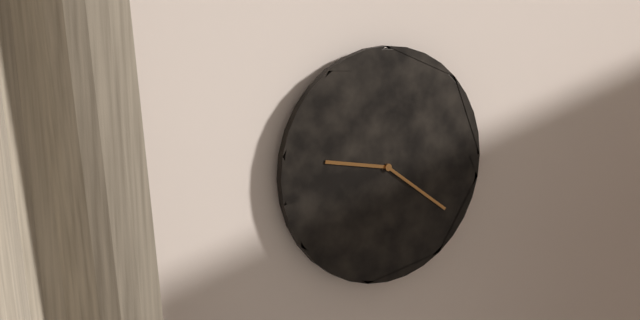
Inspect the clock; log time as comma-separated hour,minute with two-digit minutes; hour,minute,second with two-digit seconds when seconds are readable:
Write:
9,21
